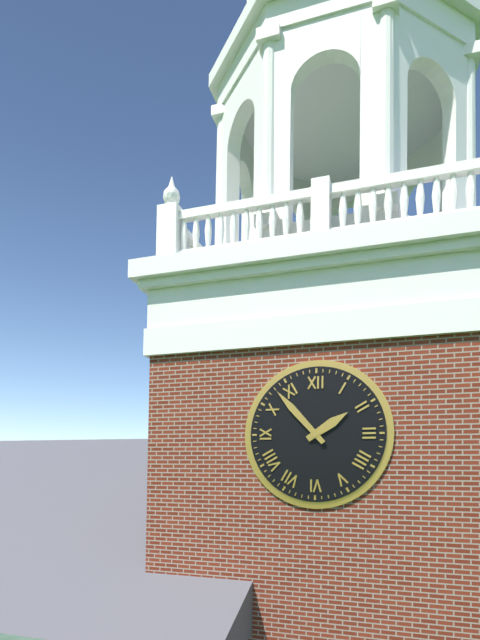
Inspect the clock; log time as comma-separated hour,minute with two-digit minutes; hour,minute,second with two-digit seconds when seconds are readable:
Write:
1,53
